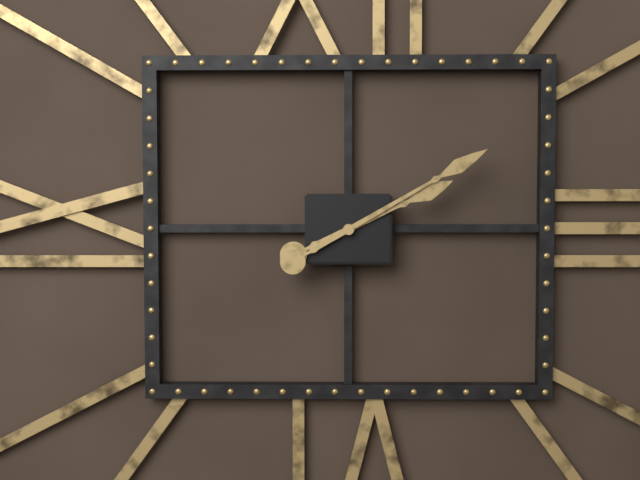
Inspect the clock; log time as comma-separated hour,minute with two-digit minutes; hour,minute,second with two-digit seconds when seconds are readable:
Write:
2,10
